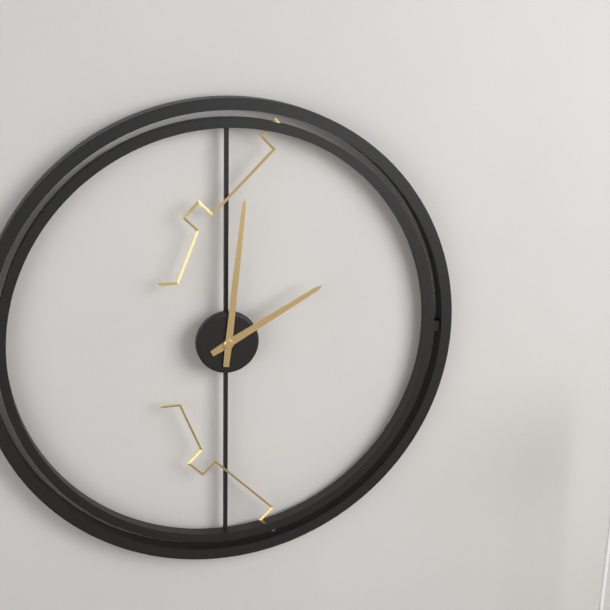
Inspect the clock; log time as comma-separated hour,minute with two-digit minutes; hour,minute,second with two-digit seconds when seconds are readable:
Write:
2,01
